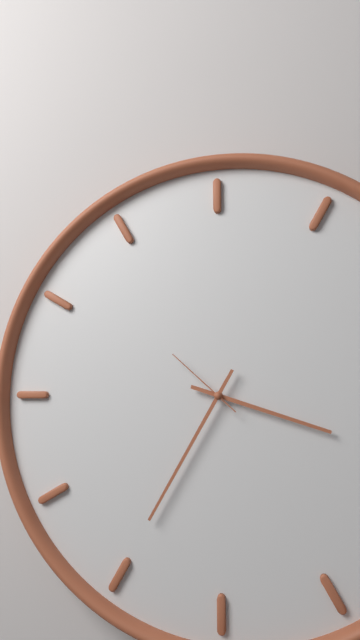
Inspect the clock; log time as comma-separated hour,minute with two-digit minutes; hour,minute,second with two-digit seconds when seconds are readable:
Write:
3,35,52
